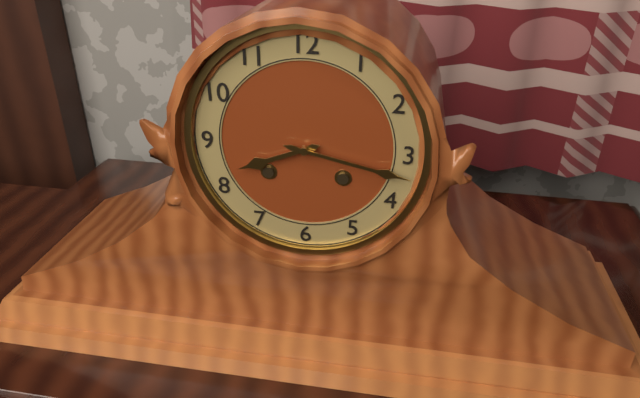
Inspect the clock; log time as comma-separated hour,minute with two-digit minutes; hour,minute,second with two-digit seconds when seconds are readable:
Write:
8,17
